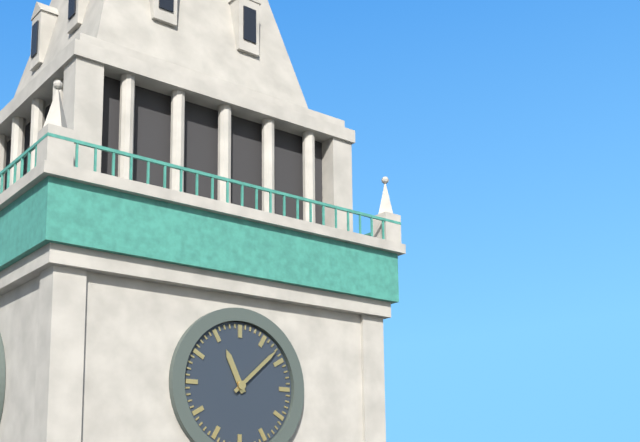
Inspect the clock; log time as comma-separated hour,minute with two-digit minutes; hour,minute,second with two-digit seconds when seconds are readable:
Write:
11,08
